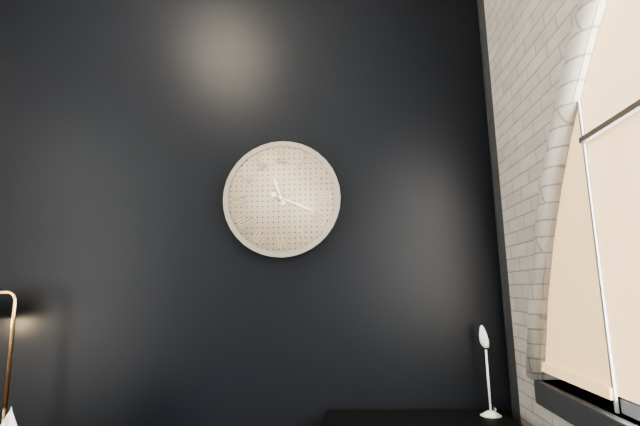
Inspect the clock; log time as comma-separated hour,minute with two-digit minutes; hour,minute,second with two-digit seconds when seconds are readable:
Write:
11,19
